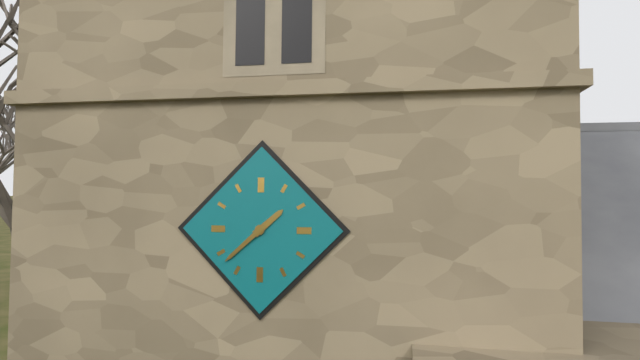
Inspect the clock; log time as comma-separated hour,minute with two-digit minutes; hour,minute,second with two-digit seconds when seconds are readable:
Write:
1,38
